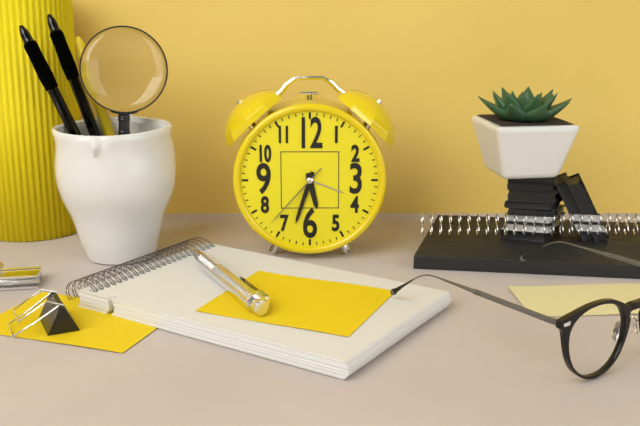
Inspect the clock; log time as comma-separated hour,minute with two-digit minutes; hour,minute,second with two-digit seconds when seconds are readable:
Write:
5,33,37
